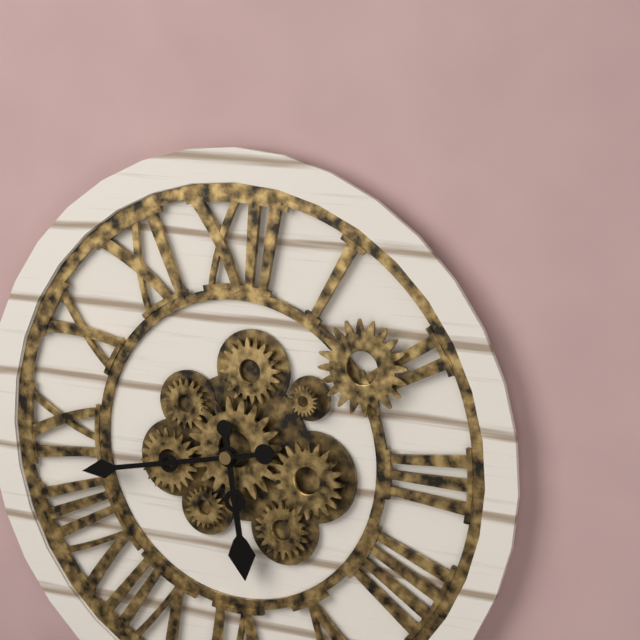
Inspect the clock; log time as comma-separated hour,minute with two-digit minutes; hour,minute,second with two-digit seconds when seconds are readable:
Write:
5,43
